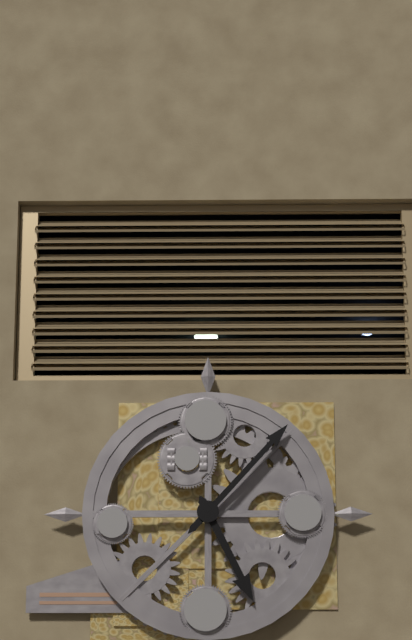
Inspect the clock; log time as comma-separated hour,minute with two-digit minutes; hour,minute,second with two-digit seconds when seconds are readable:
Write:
5,07
